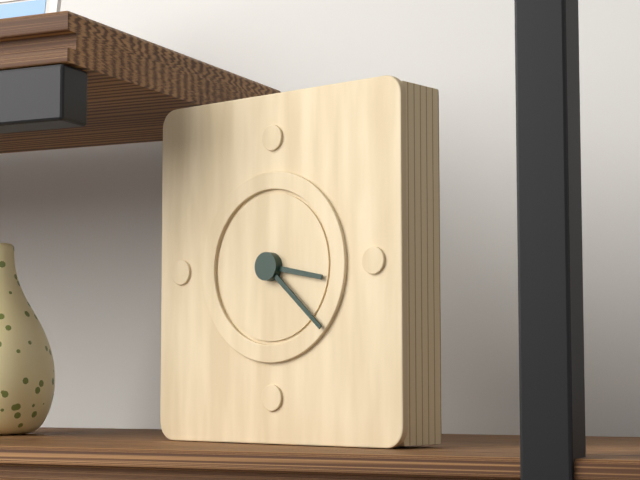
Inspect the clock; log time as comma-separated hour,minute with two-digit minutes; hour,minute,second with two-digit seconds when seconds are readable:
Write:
3,22
